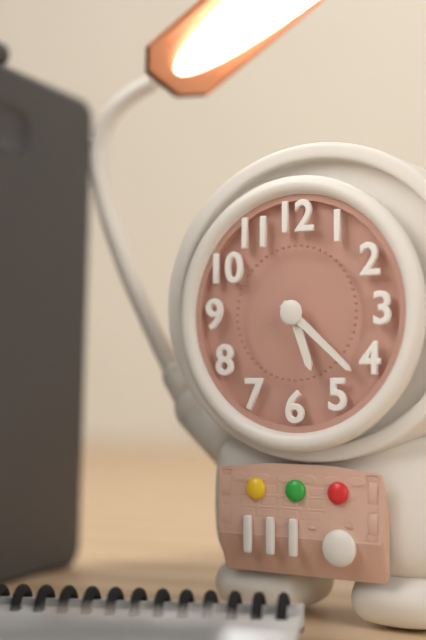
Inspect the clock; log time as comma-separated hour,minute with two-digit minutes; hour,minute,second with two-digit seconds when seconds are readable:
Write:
5,22
